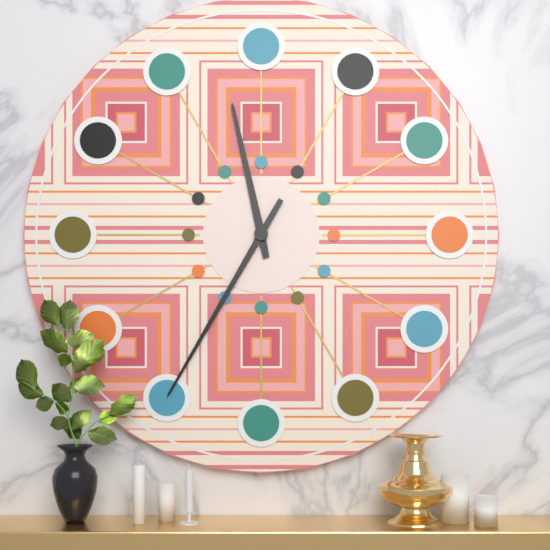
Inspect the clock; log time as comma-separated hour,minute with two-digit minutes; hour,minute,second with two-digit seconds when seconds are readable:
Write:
11,35
